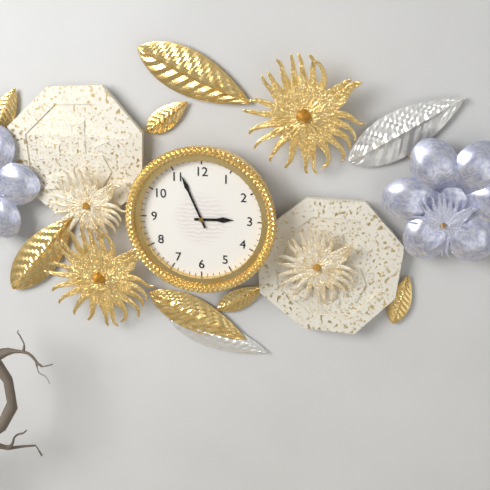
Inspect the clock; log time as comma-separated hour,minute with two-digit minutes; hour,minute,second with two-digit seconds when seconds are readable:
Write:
2,56
